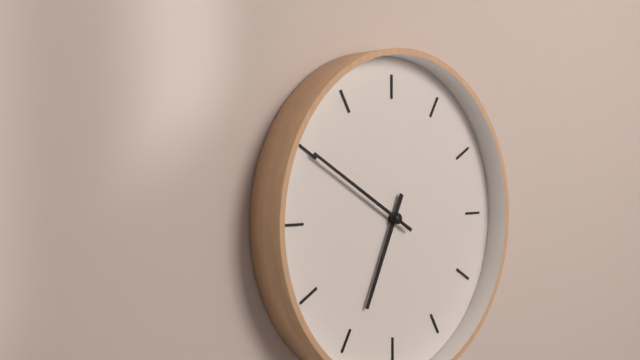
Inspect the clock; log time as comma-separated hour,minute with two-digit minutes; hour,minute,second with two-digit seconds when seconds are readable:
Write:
6,50
